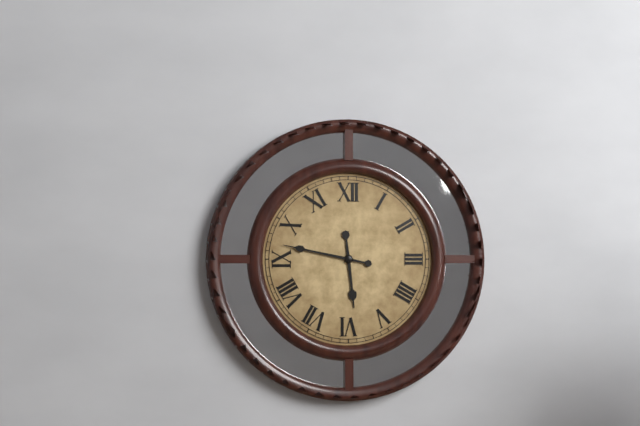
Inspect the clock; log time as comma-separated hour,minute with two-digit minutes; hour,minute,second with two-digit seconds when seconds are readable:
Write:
5,47
